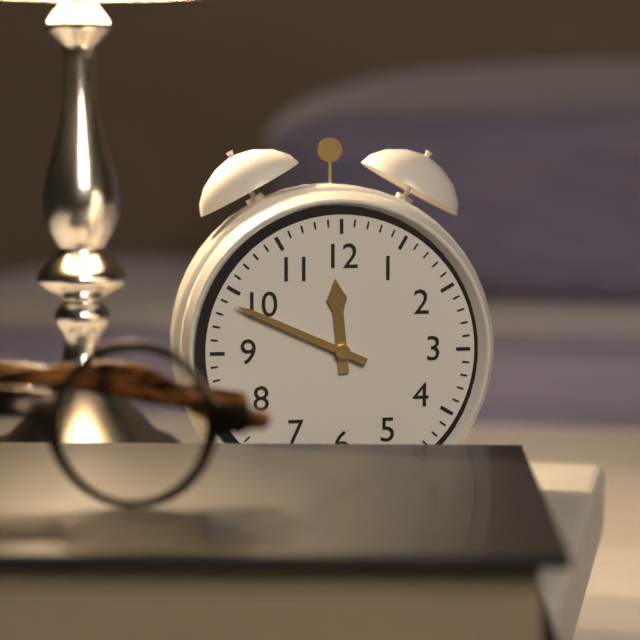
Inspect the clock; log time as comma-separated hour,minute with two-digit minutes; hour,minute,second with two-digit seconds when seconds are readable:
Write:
11,49
